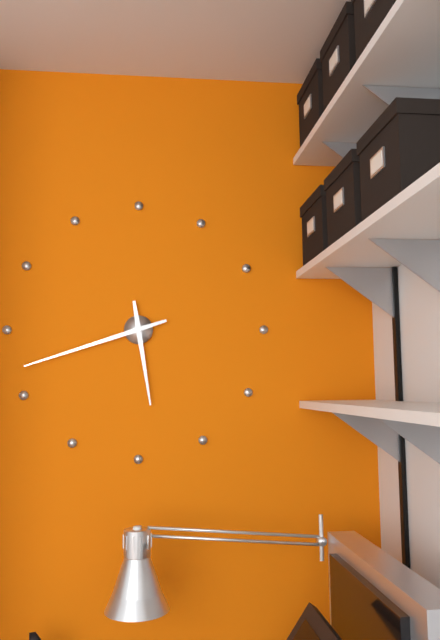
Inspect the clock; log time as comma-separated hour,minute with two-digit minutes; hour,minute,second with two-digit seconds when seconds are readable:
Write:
5,42
